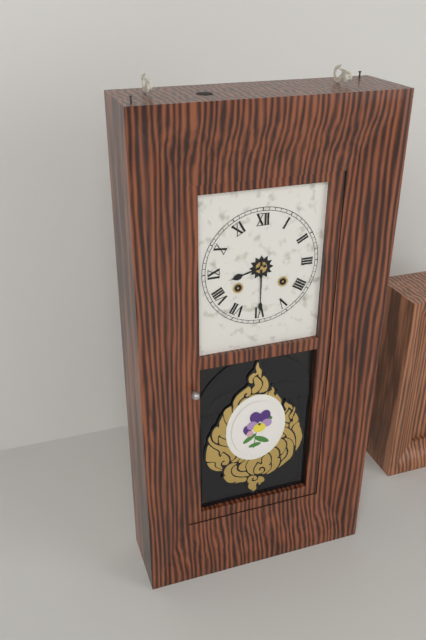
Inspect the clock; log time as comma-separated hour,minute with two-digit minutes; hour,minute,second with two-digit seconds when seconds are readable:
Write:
8,30
